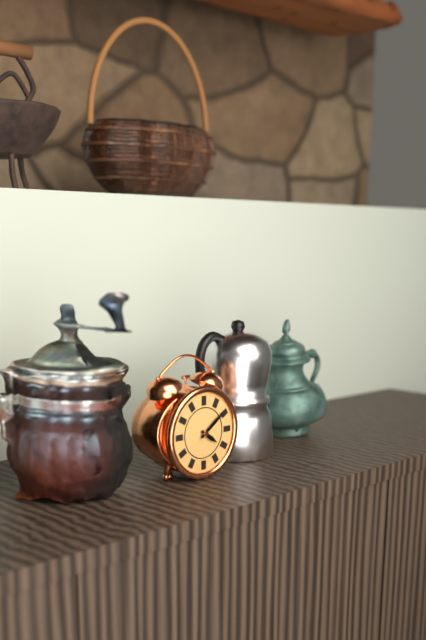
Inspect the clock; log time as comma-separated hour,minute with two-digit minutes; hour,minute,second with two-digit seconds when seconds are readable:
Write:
4,09
